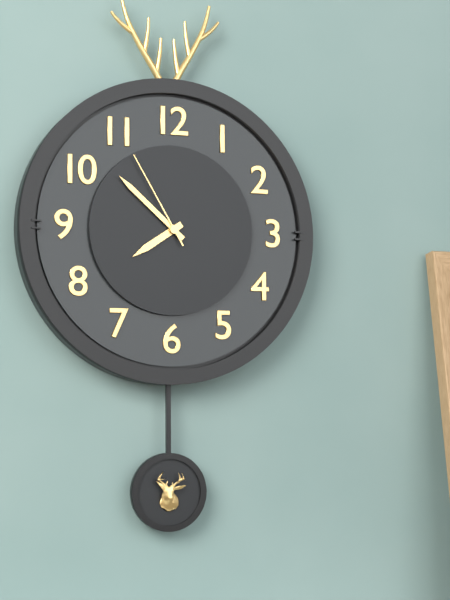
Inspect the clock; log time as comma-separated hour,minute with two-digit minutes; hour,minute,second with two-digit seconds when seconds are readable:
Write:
7,52,55
